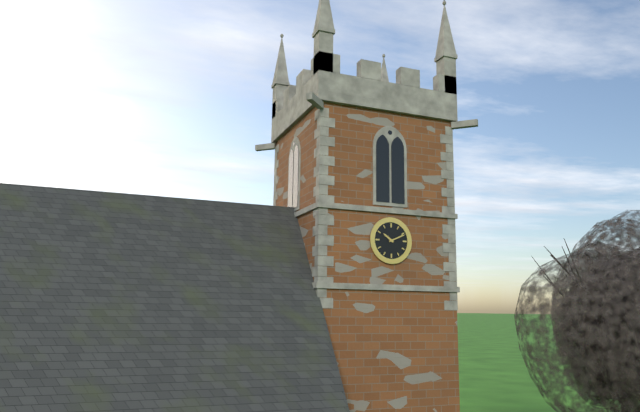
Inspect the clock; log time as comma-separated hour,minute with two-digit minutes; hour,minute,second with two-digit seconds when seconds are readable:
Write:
10,11
